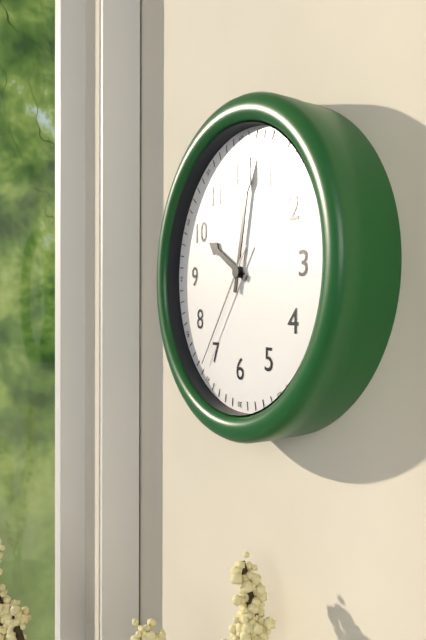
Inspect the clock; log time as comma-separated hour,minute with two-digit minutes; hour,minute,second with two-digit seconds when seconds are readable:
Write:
10,02,36
